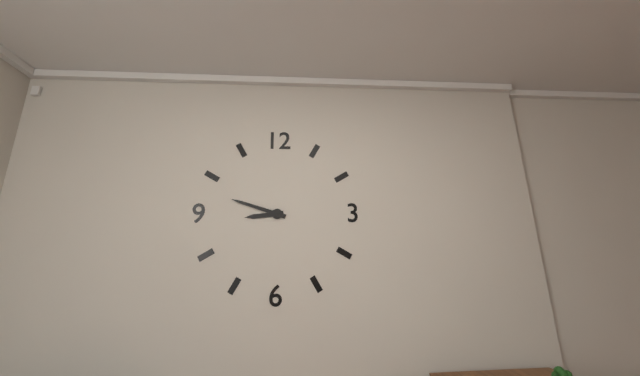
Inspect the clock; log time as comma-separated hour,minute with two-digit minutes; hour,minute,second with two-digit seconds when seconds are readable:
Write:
8,48
